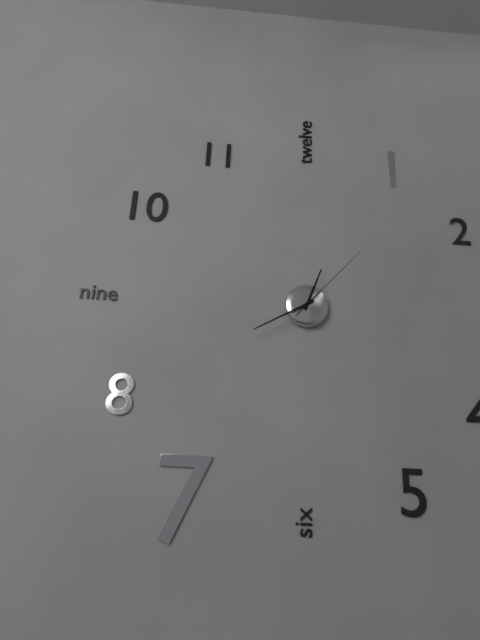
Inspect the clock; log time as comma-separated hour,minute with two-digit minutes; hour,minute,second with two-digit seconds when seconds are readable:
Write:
12,40,07
